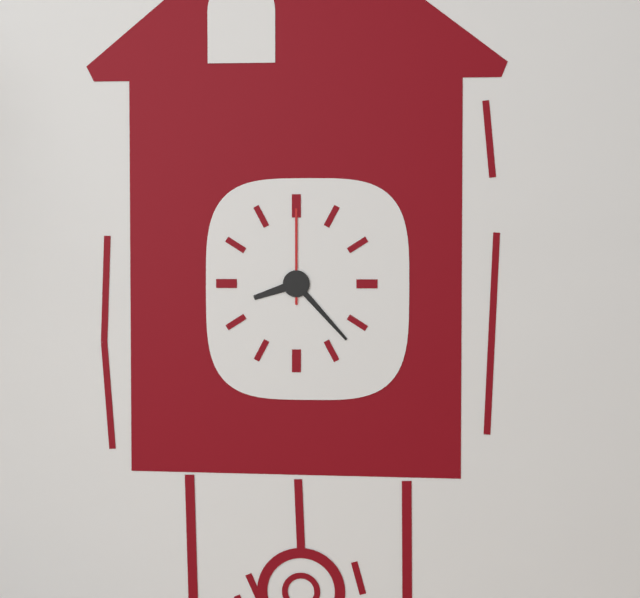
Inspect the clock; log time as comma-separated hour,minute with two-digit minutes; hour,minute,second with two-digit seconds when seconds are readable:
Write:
8,23,00
